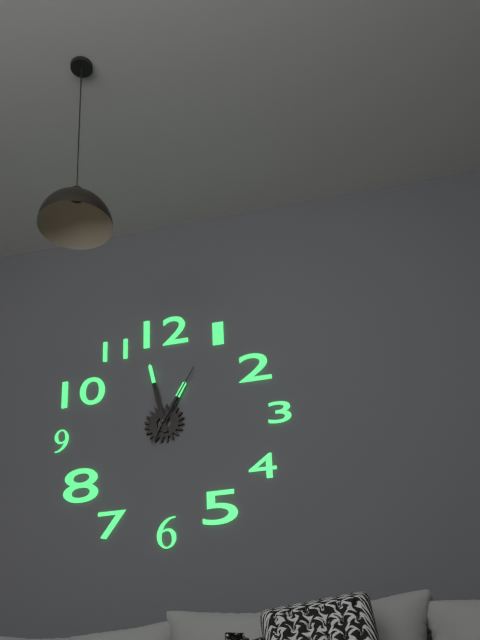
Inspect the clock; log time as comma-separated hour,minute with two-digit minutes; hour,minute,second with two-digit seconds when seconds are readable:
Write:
12,58,05
